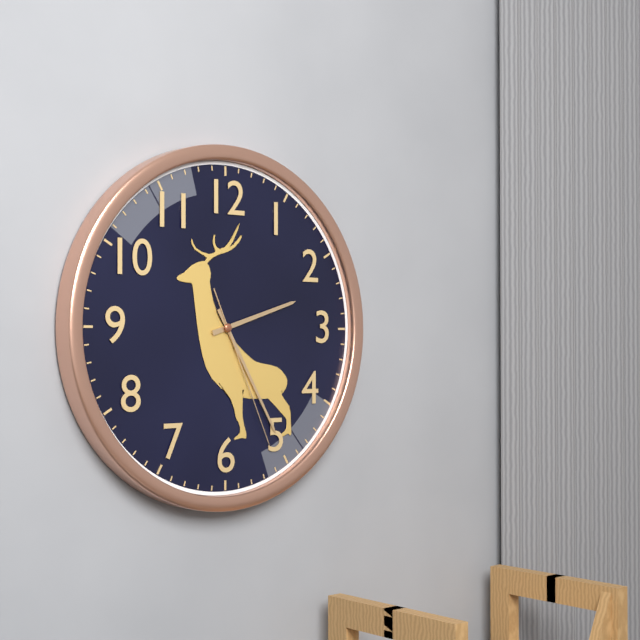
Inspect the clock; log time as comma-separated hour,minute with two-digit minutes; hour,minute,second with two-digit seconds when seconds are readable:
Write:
2,25,26
